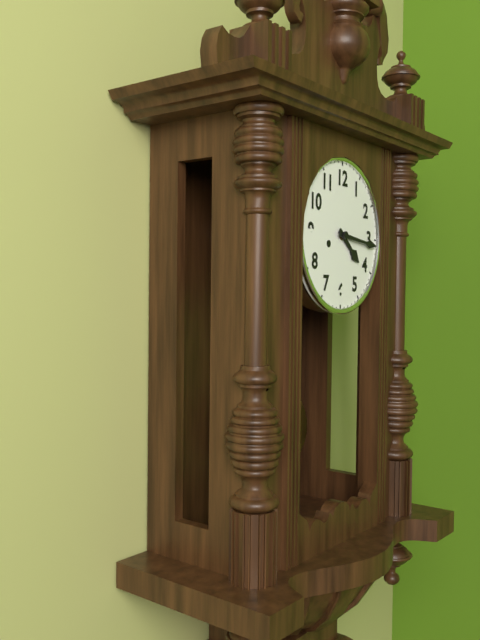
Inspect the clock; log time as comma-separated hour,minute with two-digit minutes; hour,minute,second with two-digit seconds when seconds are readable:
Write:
4,16
